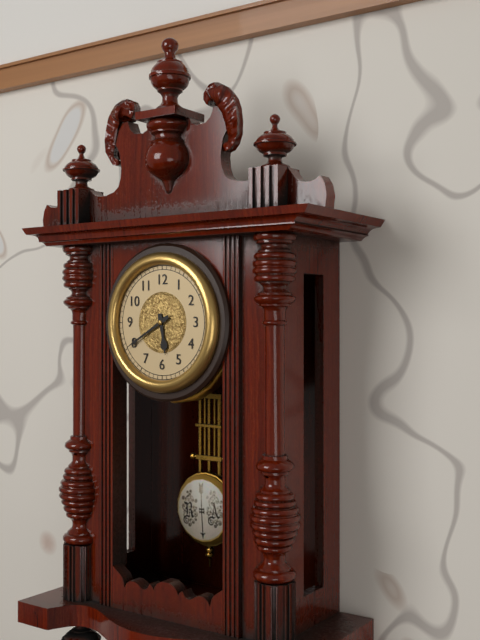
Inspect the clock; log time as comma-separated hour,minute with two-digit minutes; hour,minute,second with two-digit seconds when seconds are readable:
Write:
5,40
